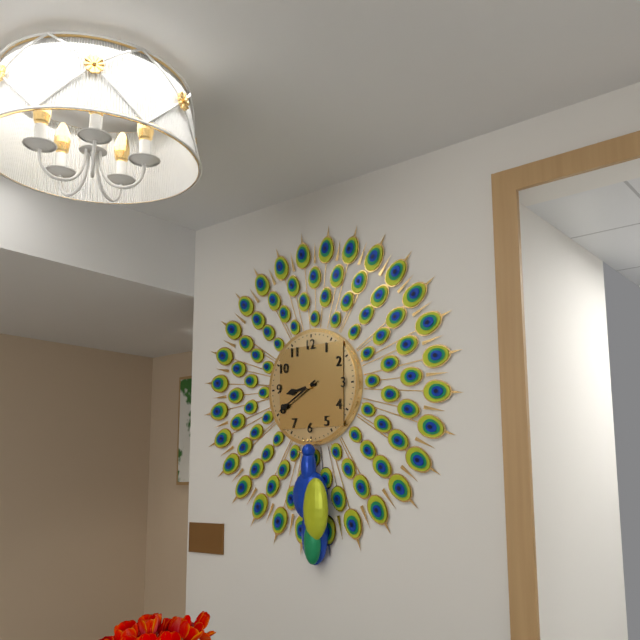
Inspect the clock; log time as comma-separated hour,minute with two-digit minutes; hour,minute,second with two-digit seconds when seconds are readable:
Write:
8,40
